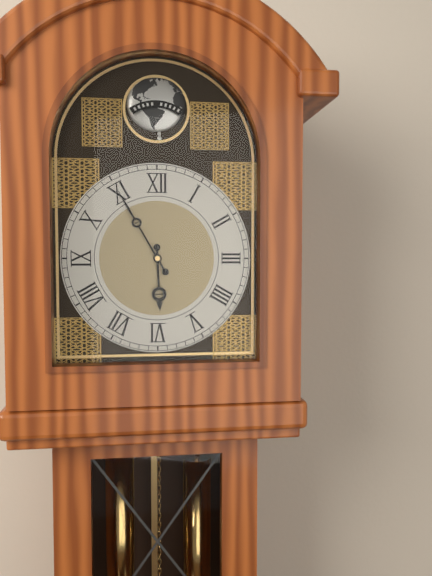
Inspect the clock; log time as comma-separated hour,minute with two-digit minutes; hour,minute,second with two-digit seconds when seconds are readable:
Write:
5,55
